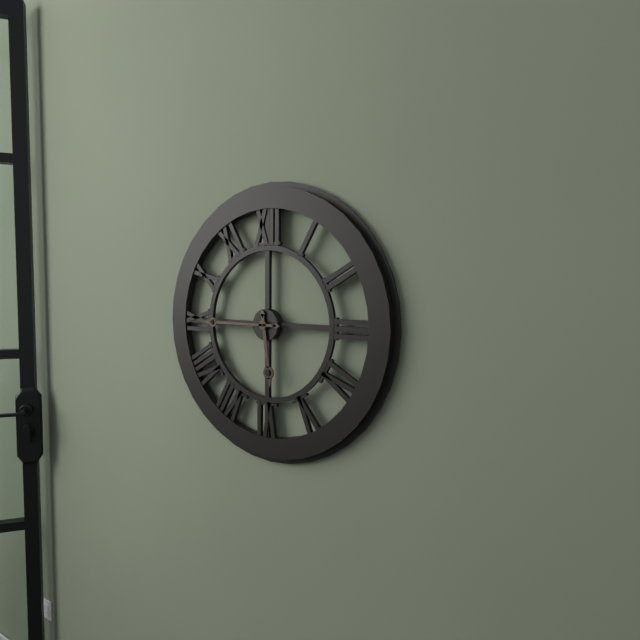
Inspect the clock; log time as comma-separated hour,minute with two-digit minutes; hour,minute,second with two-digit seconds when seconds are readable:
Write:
5,45
